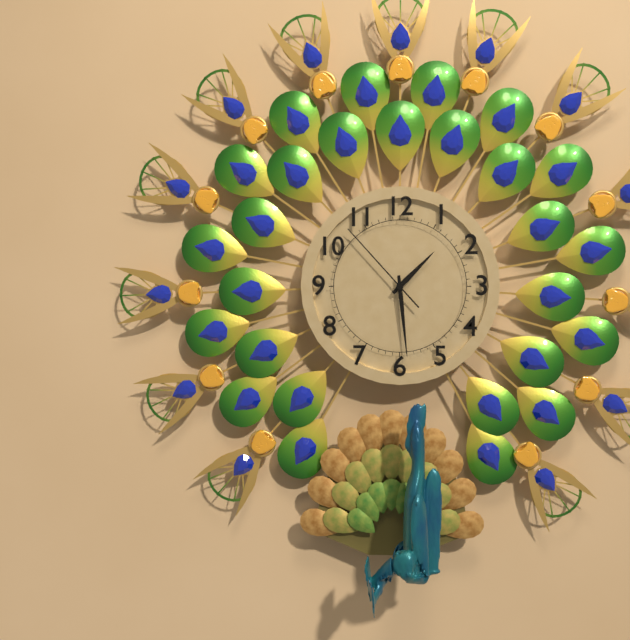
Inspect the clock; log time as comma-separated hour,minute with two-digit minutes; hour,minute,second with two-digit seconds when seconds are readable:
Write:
1,29,53
